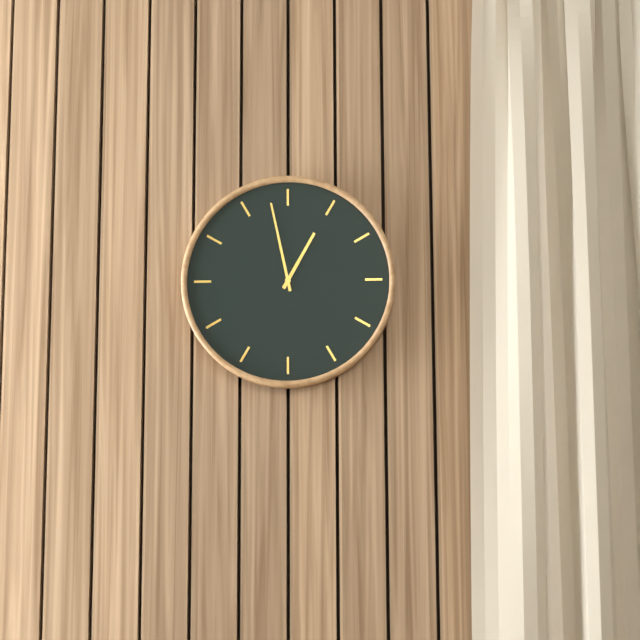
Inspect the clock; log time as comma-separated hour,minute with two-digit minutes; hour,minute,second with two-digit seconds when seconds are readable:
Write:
12,58
